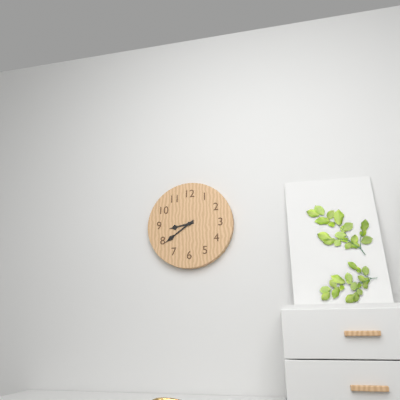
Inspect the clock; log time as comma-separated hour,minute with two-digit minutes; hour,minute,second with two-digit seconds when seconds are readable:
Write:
8,39
